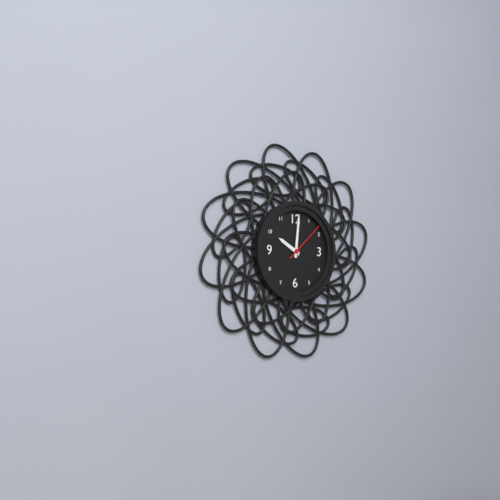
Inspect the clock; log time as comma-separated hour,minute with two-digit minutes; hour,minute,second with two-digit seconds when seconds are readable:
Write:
10,01,08
